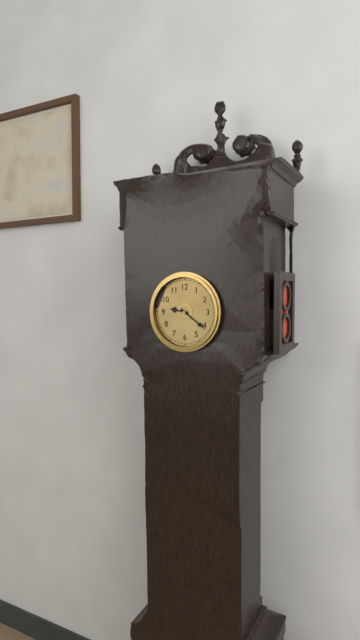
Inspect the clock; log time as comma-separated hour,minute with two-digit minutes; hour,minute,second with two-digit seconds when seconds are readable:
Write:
9,21
